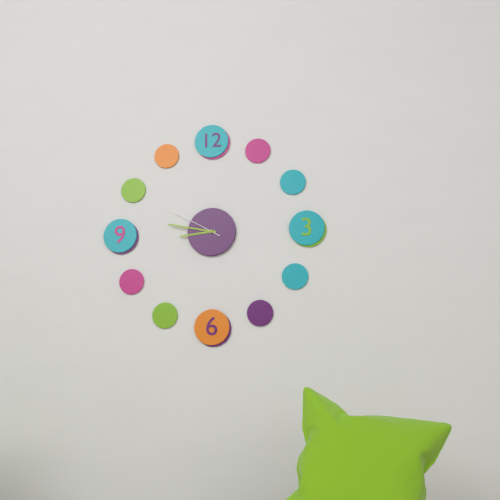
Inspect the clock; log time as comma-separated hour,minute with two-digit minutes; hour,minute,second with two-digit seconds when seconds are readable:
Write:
8,47,50
